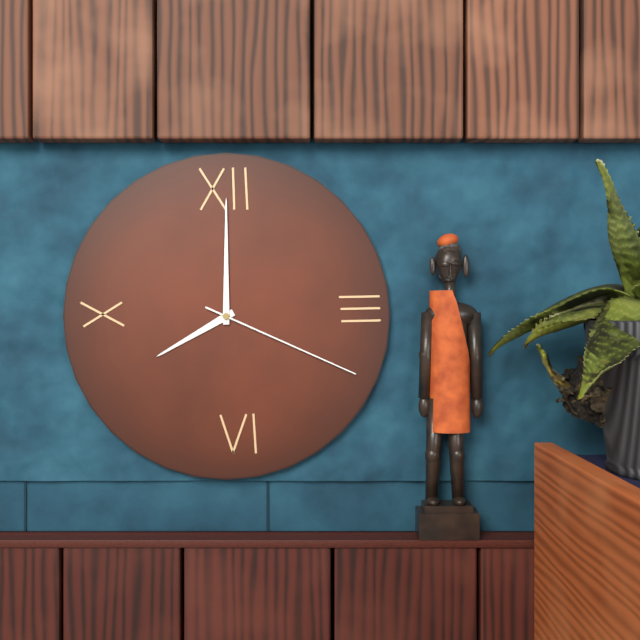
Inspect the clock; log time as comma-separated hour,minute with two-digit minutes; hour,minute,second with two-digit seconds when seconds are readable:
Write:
8,00,19
